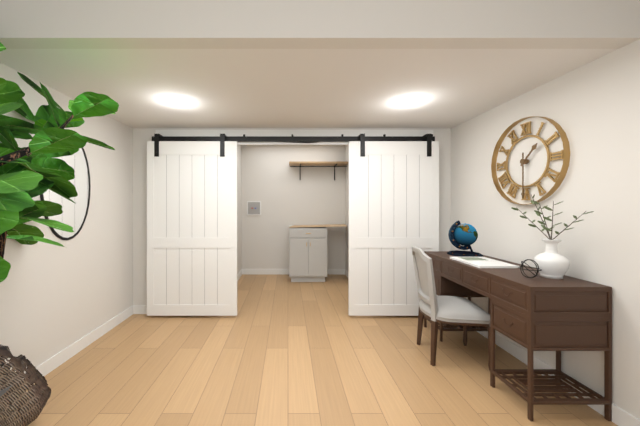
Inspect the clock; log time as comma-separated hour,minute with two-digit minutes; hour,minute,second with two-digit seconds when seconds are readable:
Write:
1,30
